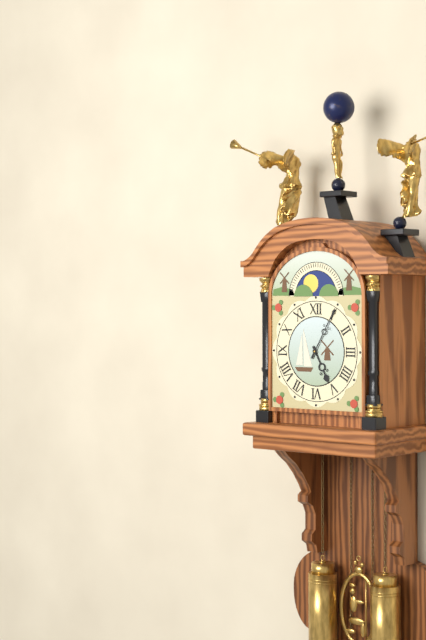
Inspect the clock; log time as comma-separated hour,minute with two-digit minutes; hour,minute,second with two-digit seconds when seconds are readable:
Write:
5,05
